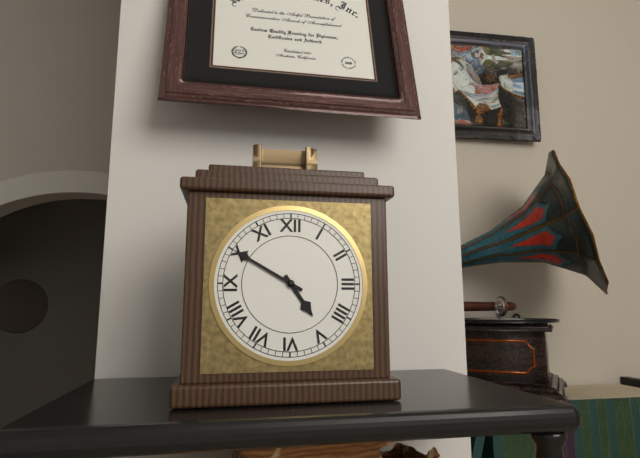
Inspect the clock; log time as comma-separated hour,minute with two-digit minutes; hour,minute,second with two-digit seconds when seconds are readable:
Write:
4,50
